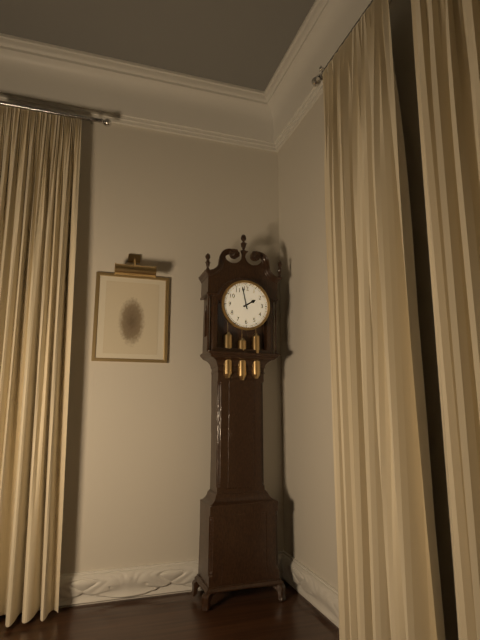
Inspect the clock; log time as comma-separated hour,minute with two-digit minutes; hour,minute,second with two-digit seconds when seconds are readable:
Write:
1,58
